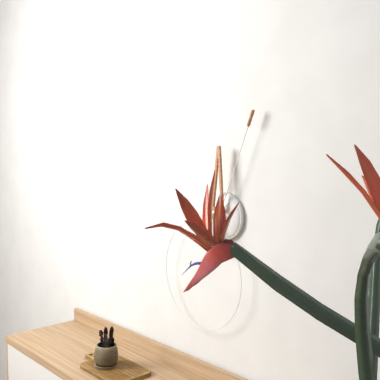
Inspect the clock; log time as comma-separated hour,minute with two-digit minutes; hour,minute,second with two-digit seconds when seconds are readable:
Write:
12,04
